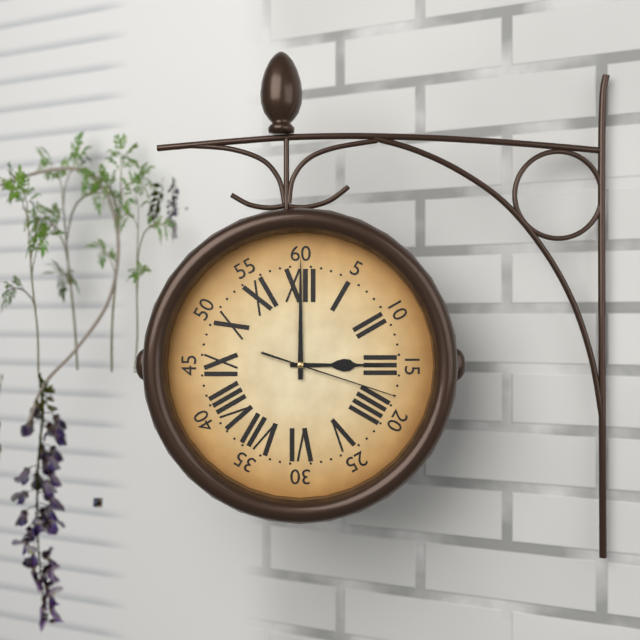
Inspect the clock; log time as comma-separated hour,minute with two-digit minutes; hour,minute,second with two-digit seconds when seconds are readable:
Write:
3,00,18
